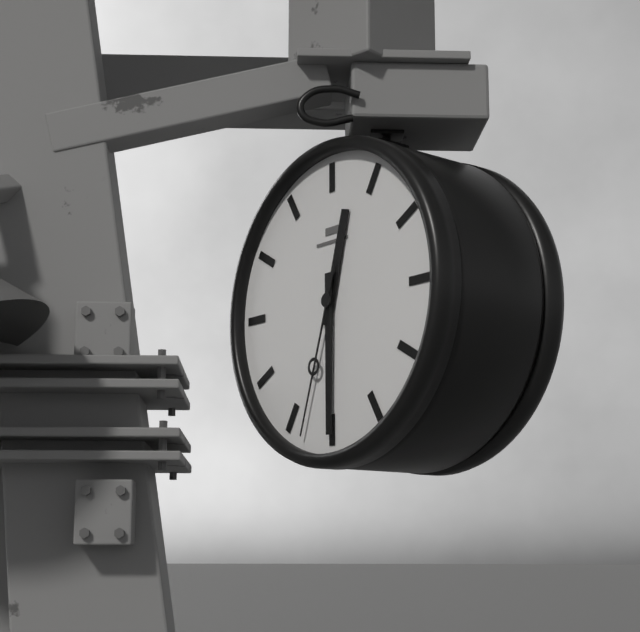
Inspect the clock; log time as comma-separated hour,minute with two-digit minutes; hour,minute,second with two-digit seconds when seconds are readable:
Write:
12,30,33
